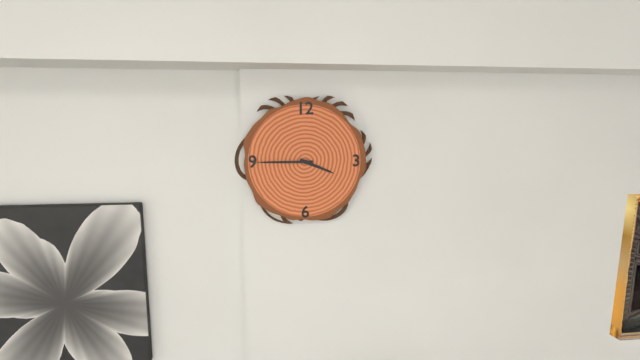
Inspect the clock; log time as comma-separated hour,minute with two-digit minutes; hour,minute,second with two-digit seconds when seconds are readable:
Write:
3,45
